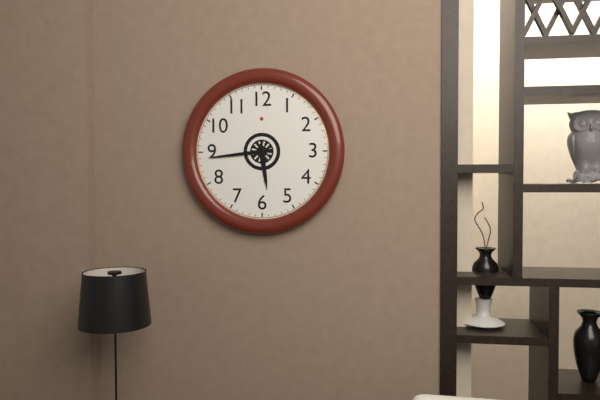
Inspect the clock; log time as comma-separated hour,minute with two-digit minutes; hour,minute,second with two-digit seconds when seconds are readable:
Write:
5,44
